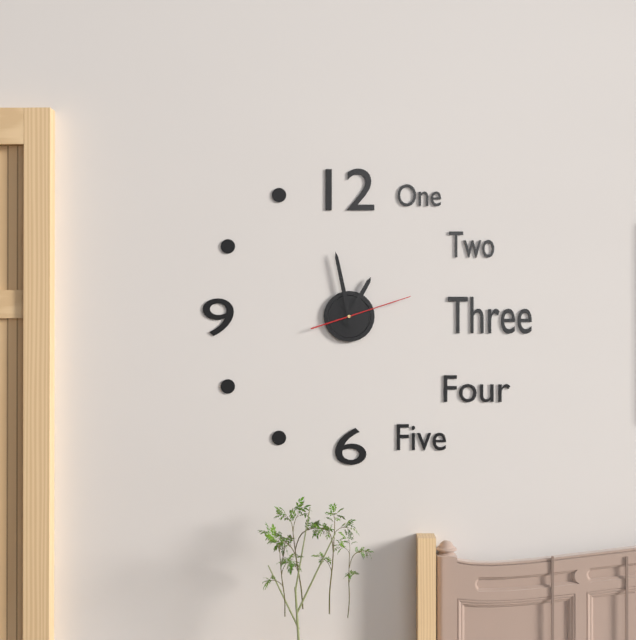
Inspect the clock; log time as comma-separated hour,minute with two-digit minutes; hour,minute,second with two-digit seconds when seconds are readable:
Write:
12,58,12
